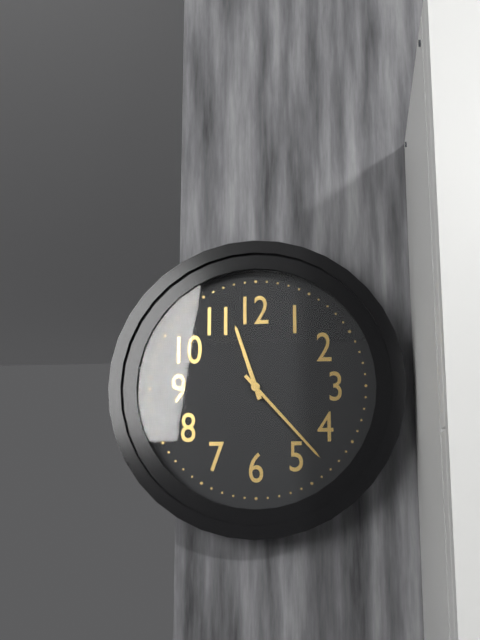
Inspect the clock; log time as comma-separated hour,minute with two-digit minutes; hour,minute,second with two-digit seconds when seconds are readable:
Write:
11,23
